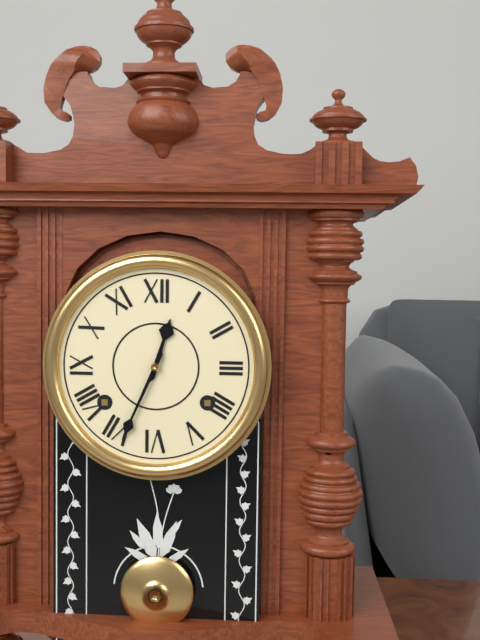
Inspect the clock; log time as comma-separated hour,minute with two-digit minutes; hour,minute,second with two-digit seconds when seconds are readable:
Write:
12,34
